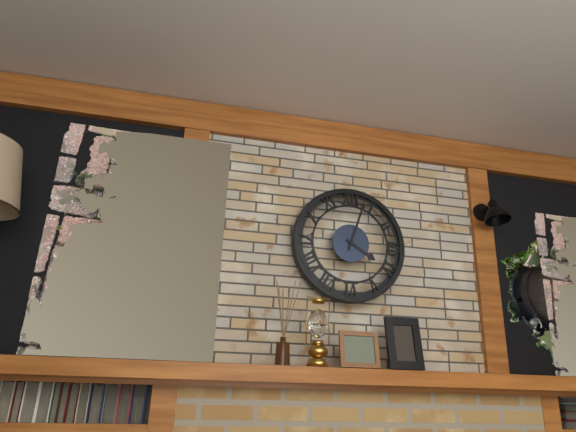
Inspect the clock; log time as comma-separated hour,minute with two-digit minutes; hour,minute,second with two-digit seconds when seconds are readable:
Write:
4,03
